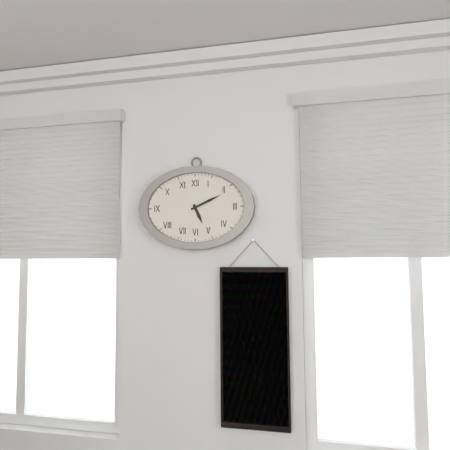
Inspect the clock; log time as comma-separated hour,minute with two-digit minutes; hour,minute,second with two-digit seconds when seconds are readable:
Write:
5,11
